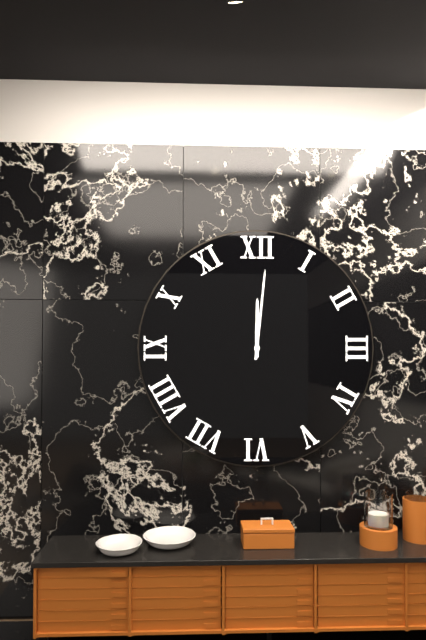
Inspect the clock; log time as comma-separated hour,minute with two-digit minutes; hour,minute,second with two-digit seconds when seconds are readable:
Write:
12,01
